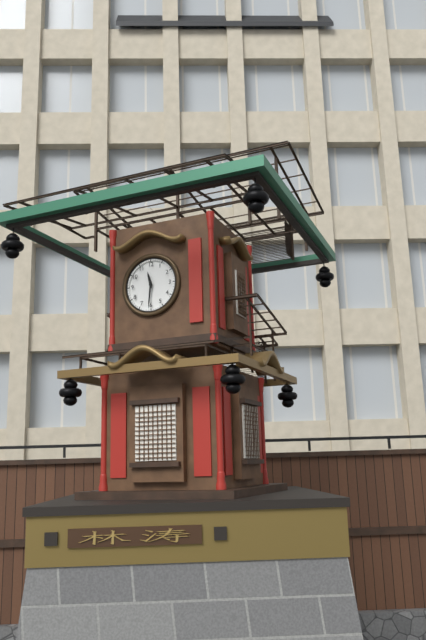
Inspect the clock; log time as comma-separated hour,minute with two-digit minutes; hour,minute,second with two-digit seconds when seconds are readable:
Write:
11,31
